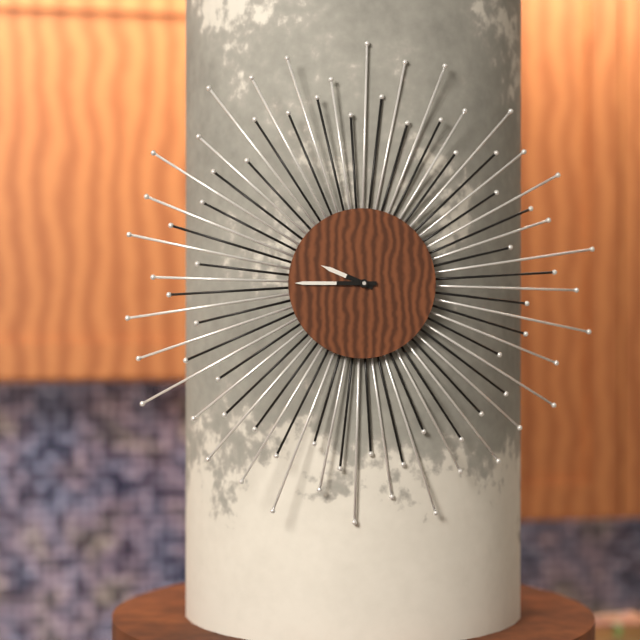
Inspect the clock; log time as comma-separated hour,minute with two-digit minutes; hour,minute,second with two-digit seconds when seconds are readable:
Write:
9,45
